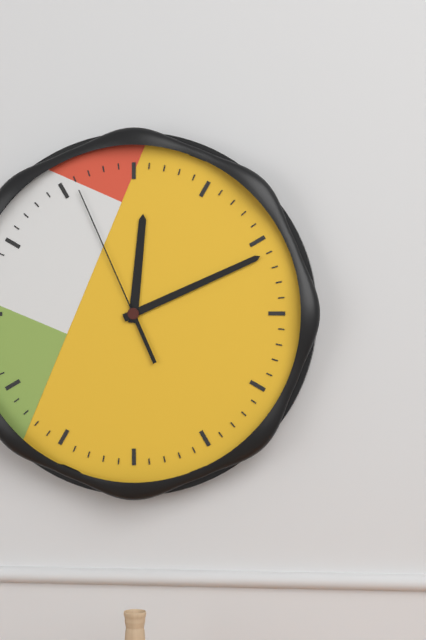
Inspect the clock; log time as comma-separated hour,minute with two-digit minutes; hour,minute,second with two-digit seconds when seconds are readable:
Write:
12,11,56
